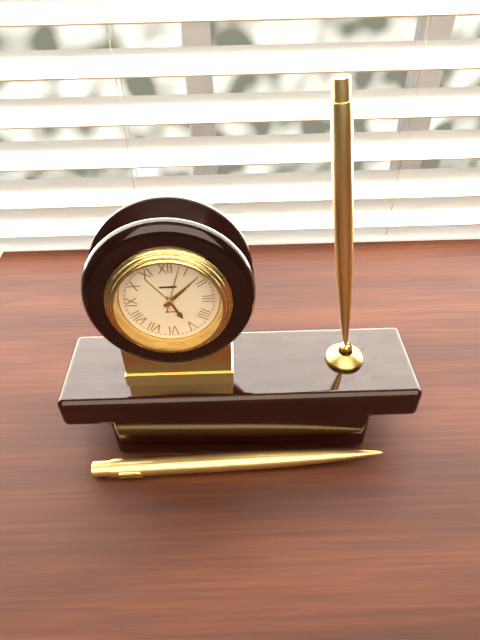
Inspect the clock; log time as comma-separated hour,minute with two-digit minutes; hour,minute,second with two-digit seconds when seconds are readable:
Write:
5,08,03
